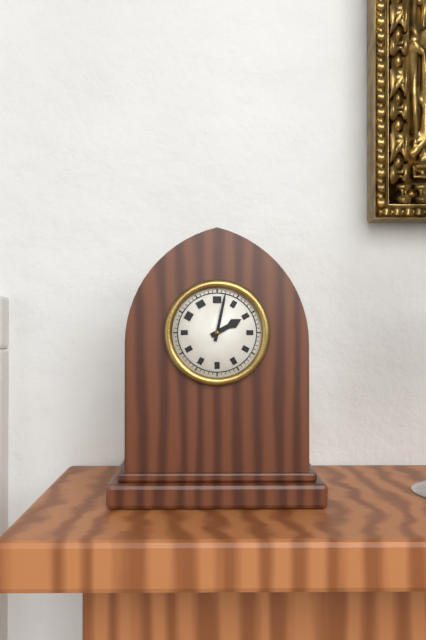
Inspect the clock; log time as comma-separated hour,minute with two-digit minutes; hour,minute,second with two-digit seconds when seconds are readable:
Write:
2,02
